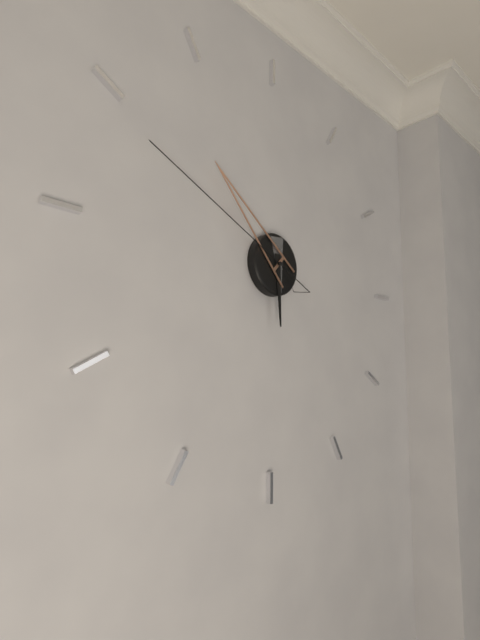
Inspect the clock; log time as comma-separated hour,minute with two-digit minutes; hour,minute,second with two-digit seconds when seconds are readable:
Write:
5,52,49
